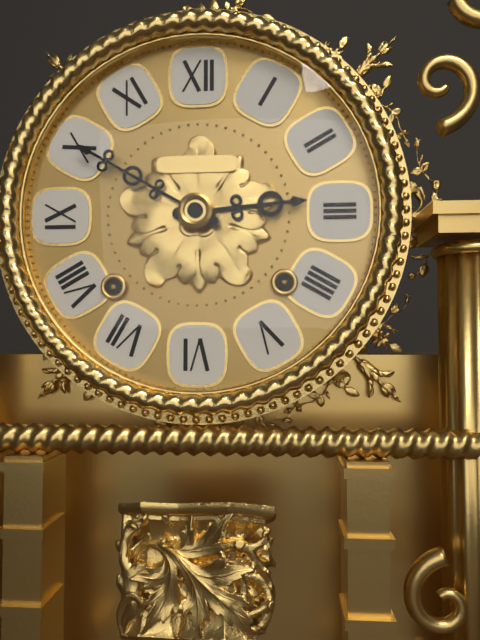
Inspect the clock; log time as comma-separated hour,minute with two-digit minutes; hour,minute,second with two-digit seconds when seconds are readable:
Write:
2,50
